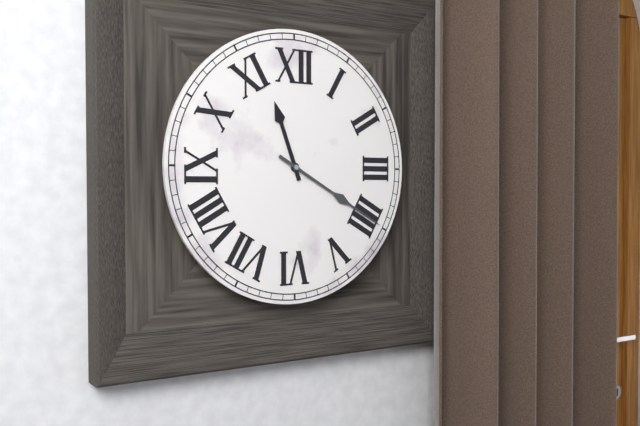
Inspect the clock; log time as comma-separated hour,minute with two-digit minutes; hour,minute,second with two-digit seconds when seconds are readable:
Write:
11,20
